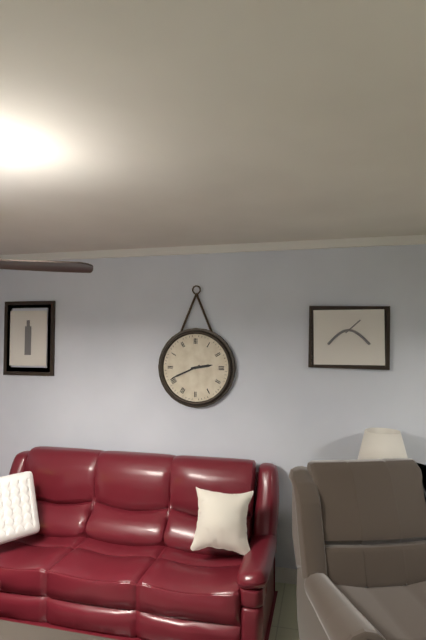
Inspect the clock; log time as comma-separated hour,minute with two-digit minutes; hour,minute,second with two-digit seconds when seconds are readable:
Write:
2,41
